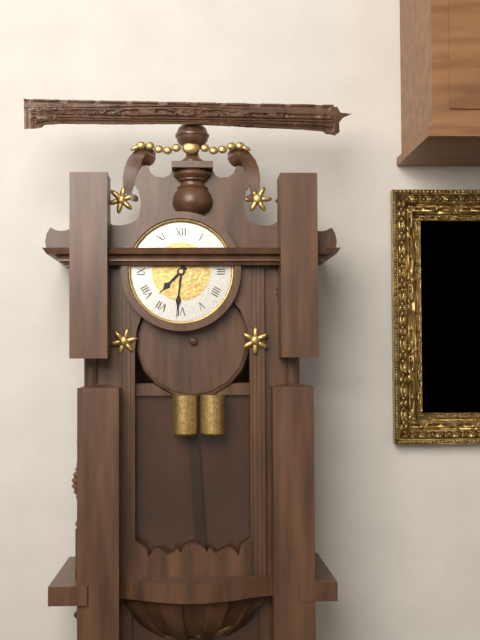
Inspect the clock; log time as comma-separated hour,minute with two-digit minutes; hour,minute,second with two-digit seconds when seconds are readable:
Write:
7,31
